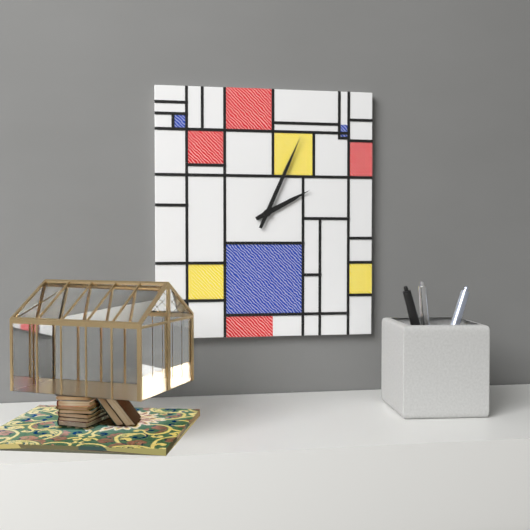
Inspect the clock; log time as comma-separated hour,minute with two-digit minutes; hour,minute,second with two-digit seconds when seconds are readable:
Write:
2,04
